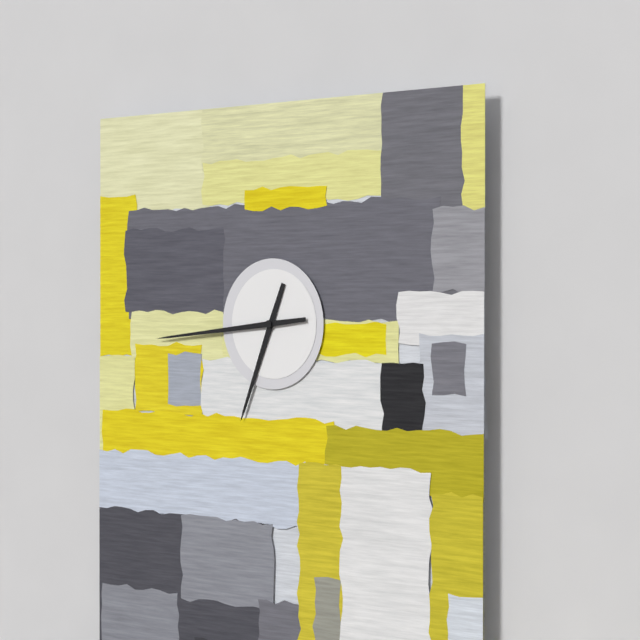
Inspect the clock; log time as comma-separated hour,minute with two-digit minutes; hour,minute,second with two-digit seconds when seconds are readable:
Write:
6,44
